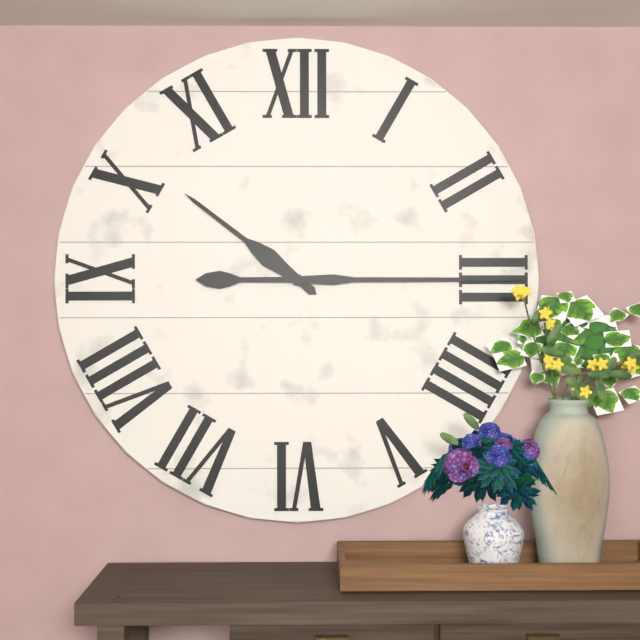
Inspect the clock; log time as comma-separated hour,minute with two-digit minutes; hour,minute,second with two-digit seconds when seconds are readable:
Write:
10,15
